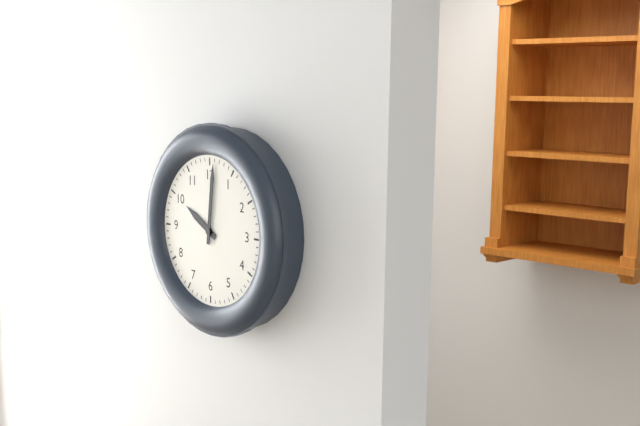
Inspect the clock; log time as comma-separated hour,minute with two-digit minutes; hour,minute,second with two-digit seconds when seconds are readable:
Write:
10,01
